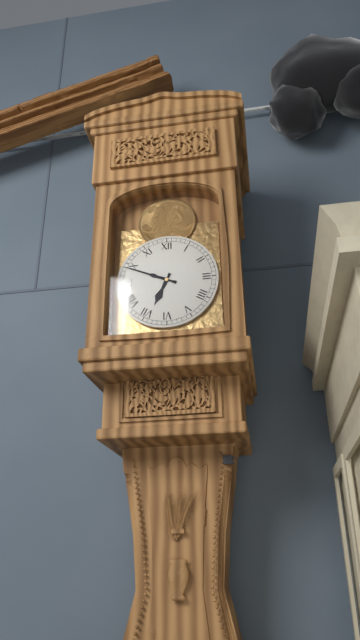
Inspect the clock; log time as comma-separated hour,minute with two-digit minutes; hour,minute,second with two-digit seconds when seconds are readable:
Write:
6,49
